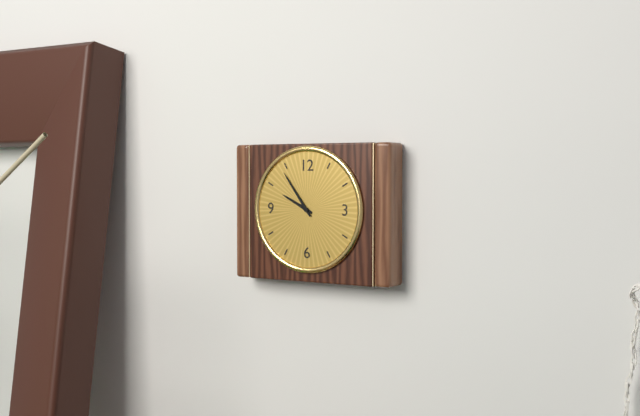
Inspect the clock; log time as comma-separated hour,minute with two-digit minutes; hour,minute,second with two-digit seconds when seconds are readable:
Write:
9,54
